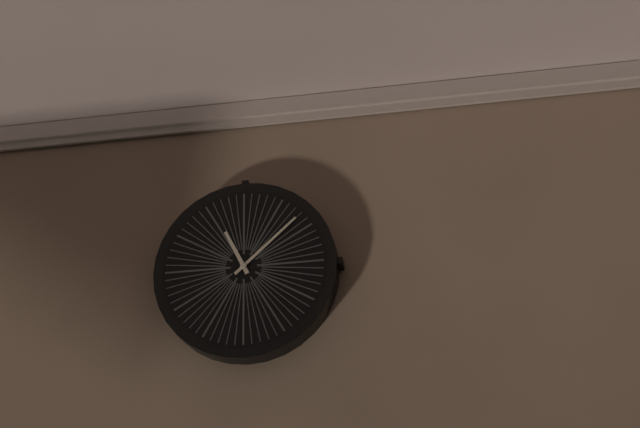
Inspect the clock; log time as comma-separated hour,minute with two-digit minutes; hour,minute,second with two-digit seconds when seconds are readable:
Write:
11,08
